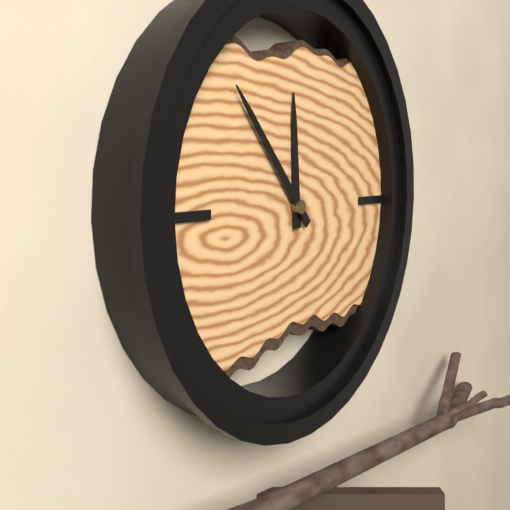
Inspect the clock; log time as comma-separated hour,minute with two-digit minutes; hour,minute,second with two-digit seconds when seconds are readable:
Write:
11,53
